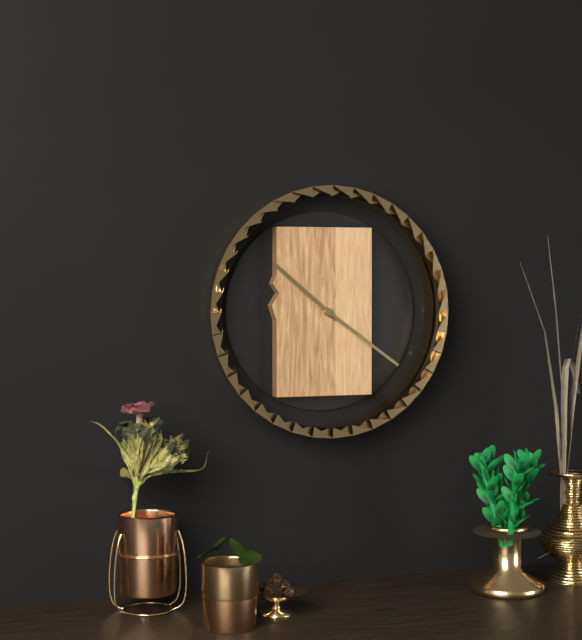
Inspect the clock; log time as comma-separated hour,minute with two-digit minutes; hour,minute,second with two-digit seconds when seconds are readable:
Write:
10,21
